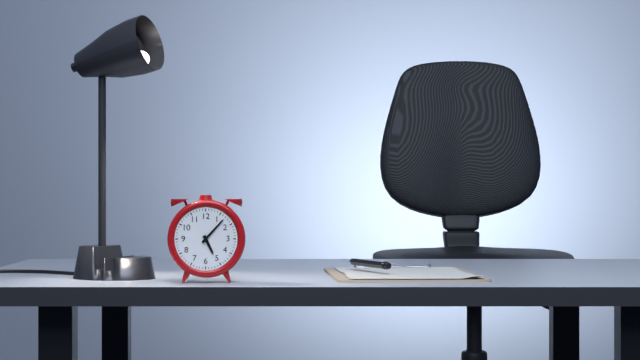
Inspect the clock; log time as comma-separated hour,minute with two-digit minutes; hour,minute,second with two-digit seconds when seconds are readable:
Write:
5,07
